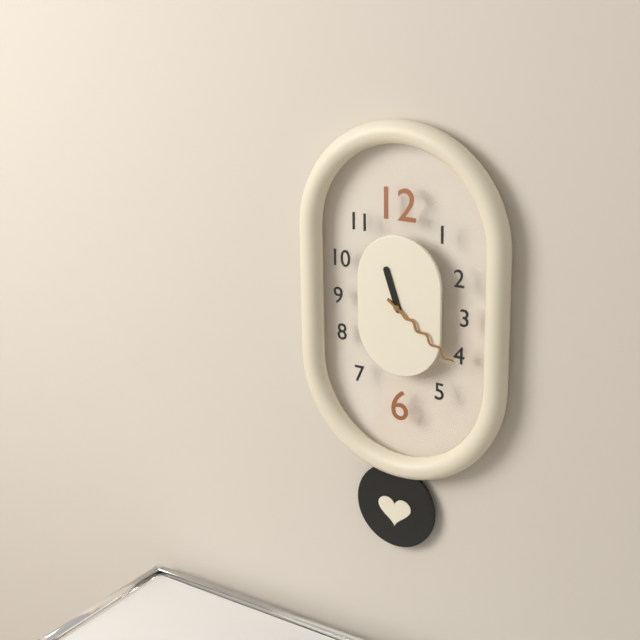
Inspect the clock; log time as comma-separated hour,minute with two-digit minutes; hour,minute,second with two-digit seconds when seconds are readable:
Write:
11,21
